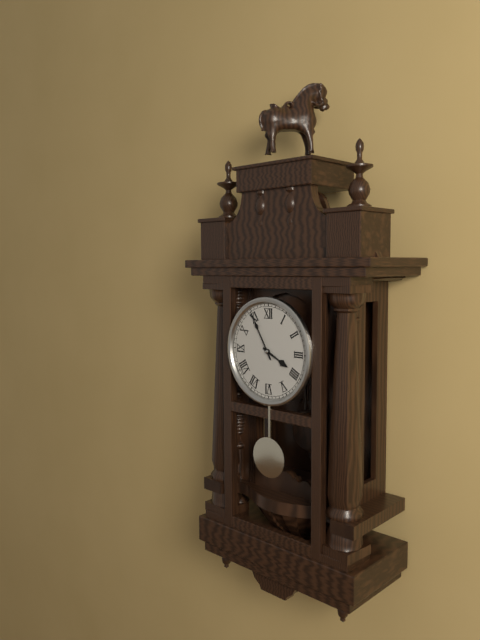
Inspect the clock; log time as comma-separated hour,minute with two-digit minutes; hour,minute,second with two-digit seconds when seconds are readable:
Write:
3,55
